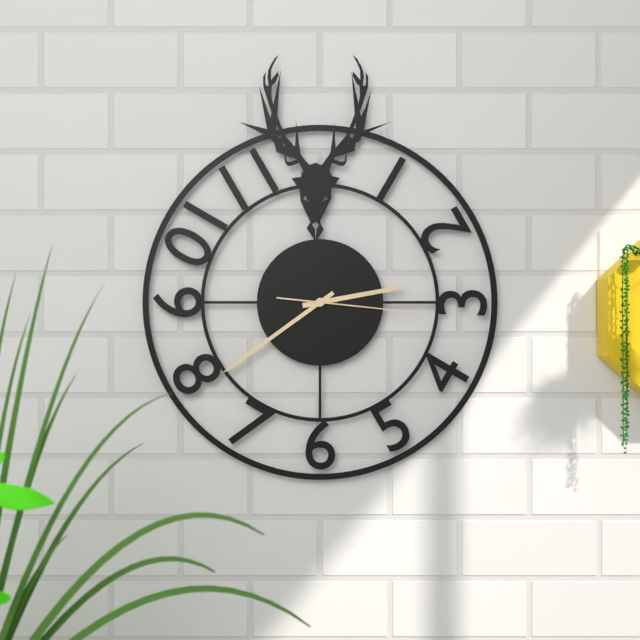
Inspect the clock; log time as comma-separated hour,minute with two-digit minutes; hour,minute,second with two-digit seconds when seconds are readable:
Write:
2,39,16
